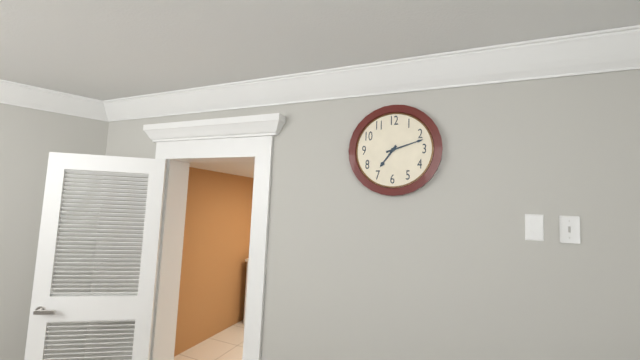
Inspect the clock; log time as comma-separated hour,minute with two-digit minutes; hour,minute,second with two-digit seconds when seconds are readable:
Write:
7,12
